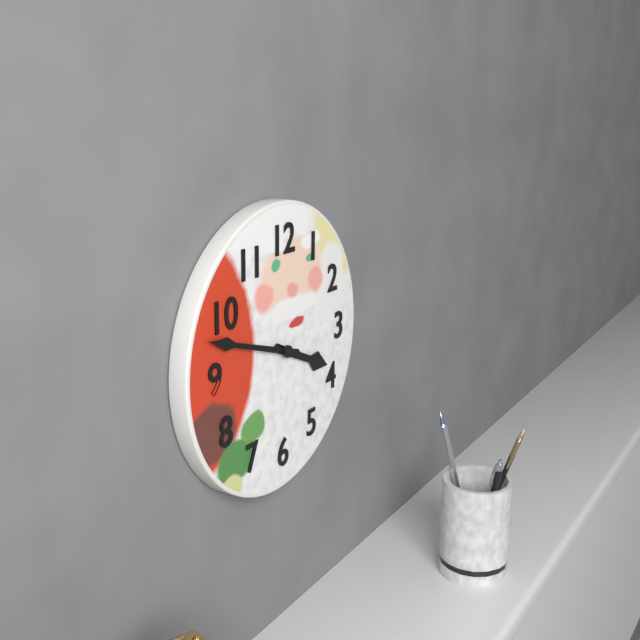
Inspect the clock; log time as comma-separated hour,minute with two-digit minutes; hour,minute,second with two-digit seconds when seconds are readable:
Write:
3,48
